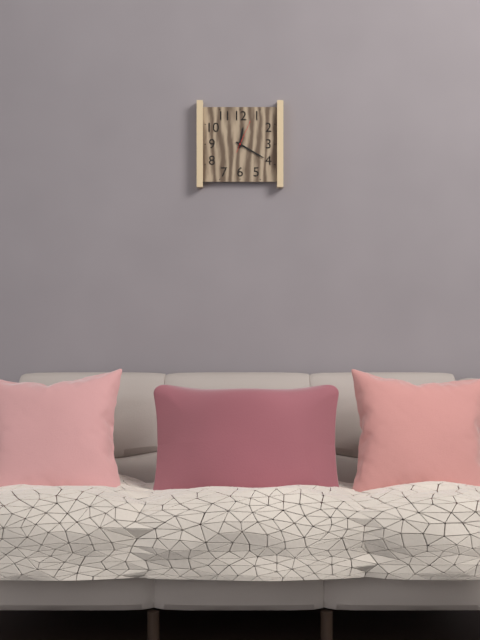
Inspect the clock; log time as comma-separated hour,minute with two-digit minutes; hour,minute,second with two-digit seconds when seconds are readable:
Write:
12,20
